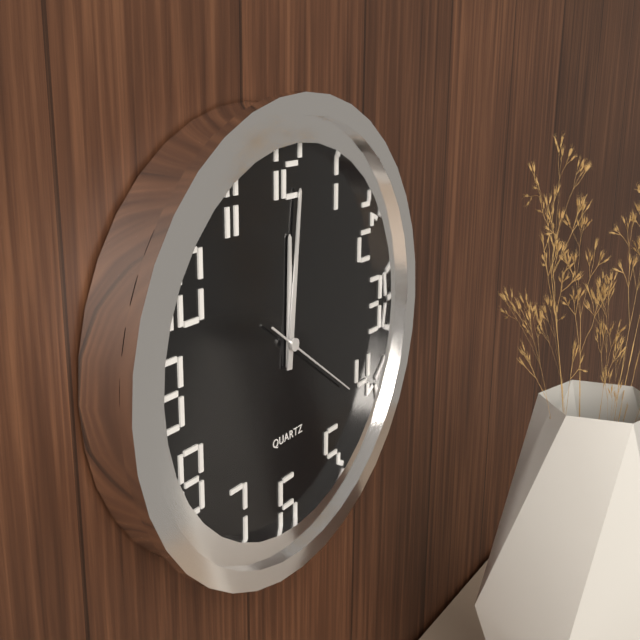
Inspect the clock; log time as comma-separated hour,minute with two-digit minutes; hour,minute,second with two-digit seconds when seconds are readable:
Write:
12,01,21
